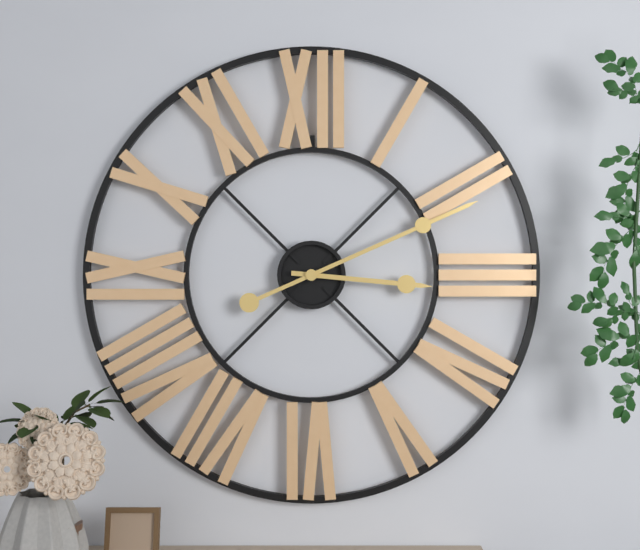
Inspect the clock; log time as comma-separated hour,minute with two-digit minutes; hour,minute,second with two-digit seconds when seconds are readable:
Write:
3,11
